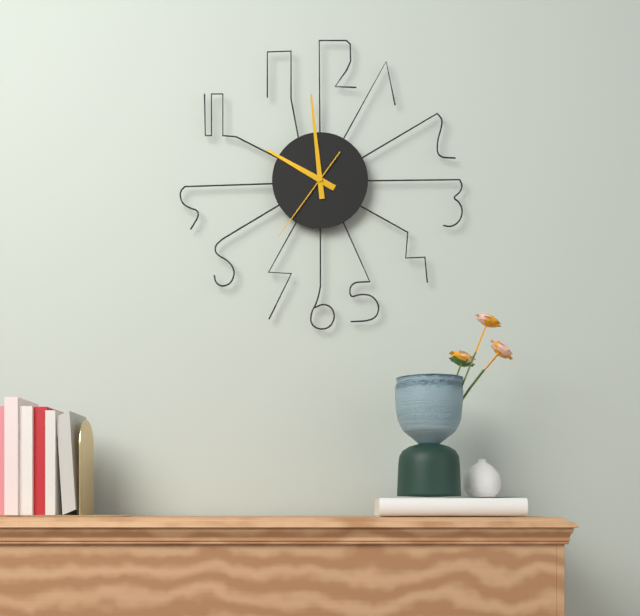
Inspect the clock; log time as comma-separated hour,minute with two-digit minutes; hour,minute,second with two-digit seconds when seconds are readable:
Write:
9,59,36
